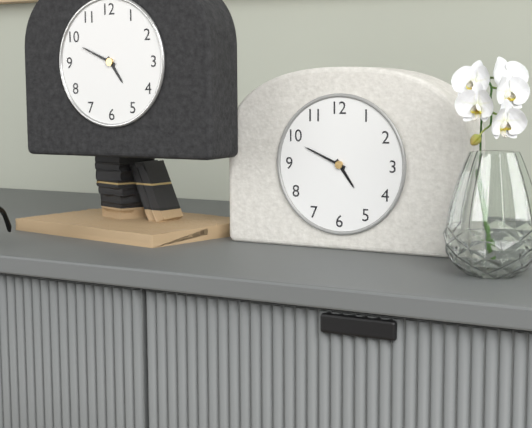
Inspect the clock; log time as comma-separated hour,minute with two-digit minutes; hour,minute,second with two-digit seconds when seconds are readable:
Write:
4,49
